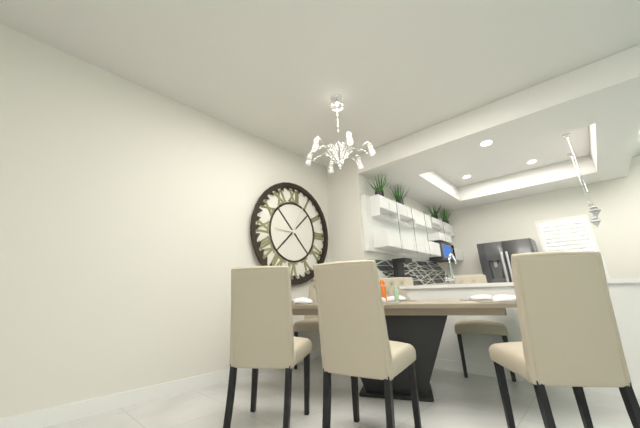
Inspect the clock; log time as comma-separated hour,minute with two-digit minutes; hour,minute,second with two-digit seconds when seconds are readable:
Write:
9,04
